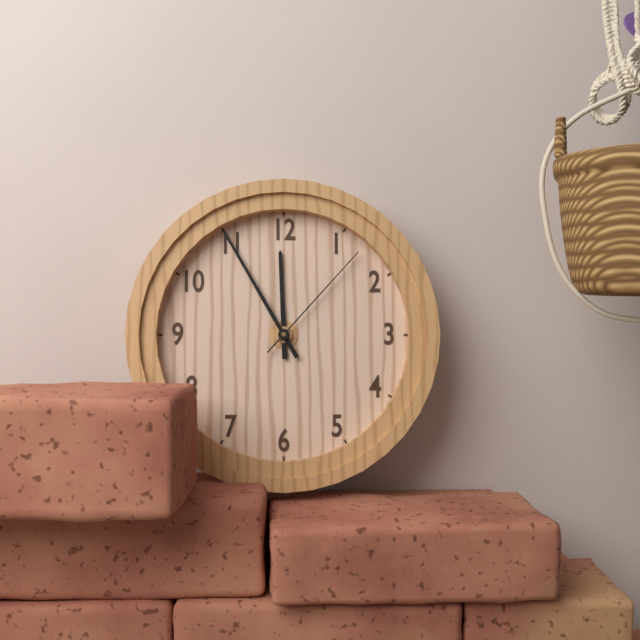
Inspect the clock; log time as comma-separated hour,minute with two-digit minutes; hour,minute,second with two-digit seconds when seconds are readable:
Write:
11,55,07
